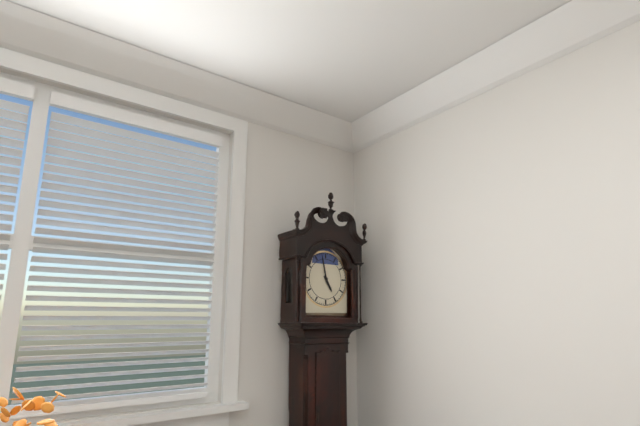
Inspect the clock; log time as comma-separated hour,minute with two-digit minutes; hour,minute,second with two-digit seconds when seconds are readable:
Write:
4,58
